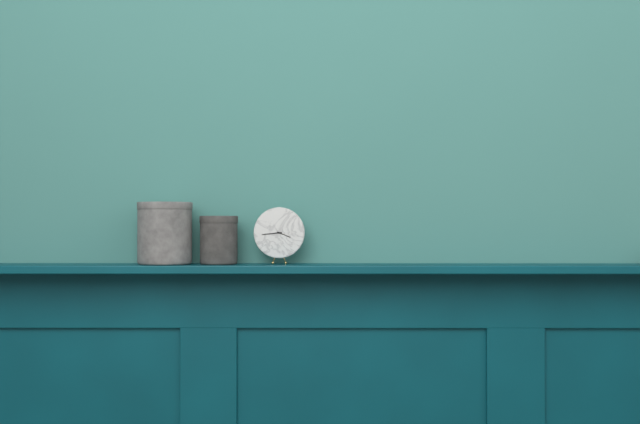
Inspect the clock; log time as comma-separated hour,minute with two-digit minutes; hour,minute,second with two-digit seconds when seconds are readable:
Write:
3,44
